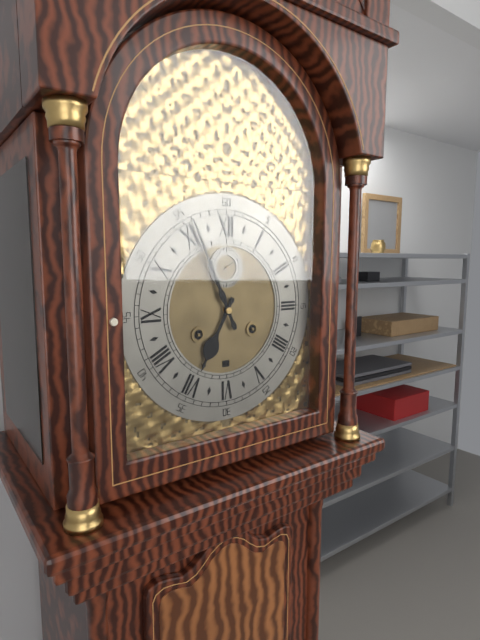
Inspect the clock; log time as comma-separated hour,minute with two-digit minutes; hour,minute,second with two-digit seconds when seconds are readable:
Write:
6,56
